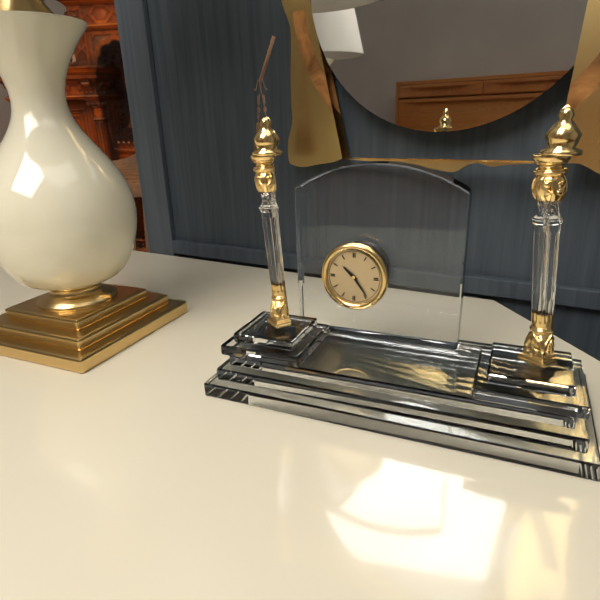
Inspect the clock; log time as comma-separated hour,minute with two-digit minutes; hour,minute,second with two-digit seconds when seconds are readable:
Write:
10,24
